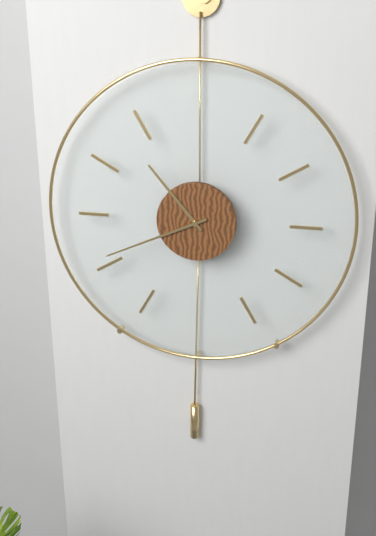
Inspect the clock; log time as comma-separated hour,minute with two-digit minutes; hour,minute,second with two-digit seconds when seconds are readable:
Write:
10,41
